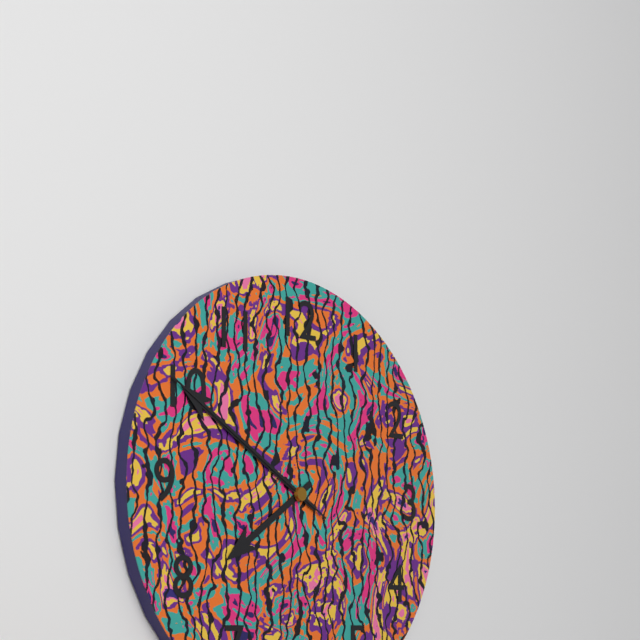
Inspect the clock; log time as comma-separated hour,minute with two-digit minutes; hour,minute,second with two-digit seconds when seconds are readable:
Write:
7,50,50
